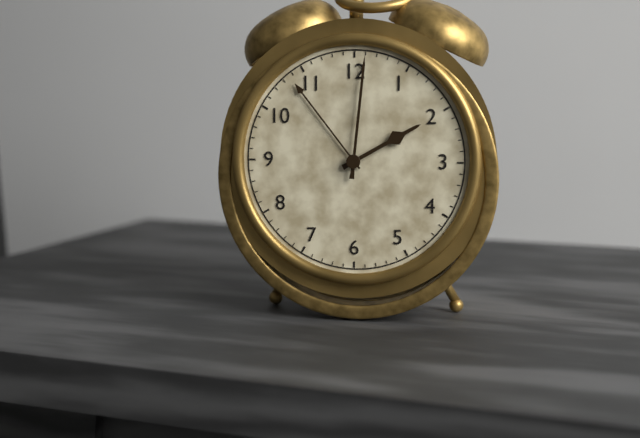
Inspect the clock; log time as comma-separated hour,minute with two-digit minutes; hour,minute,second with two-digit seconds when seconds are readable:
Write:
2,01
